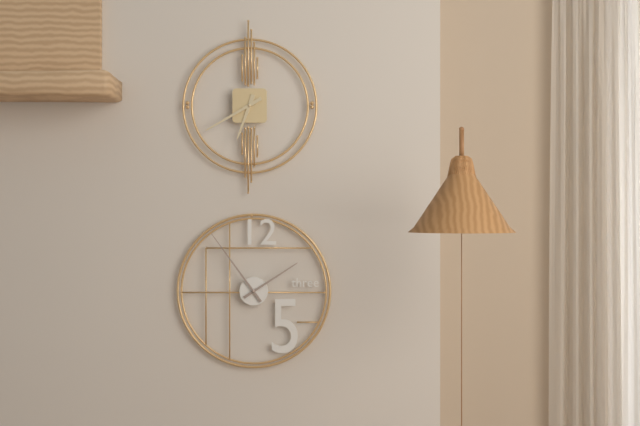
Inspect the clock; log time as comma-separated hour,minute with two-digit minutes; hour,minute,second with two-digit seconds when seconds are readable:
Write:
6,40
